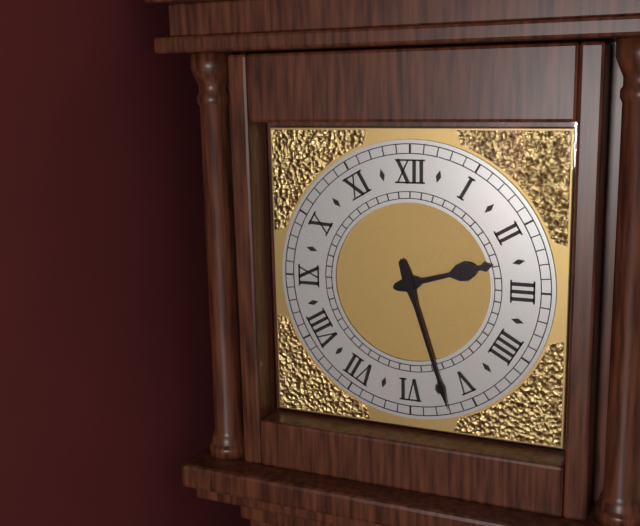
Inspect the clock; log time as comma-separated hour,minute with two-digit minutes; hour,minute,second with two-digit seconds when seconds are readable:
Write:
2,27
